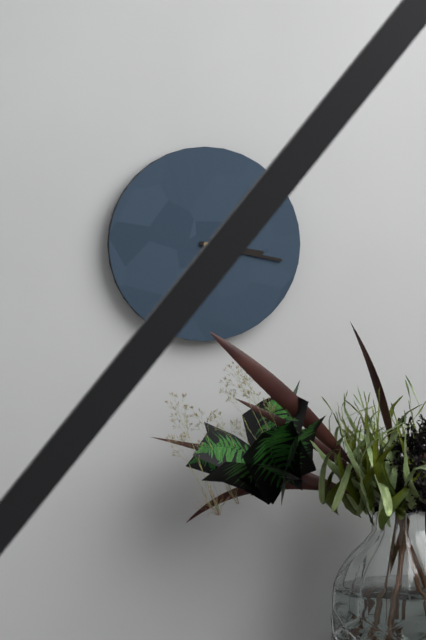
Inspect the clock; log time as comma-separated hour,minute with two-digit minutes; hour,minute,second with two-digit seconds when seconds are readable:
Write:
3,17
